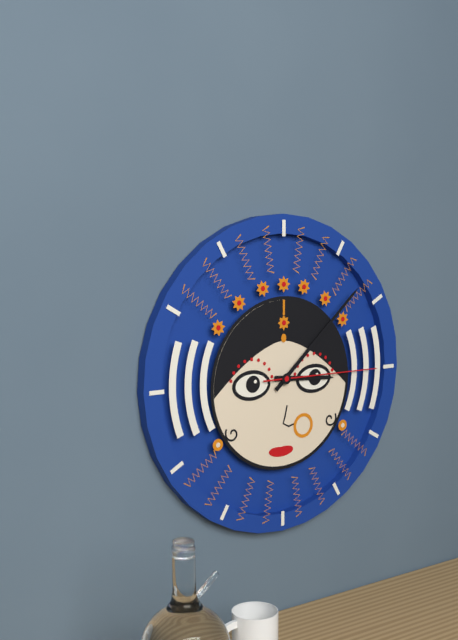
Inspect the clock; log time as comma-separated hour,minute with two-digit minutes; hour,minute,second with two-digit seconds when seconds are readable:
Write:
3,08,15
